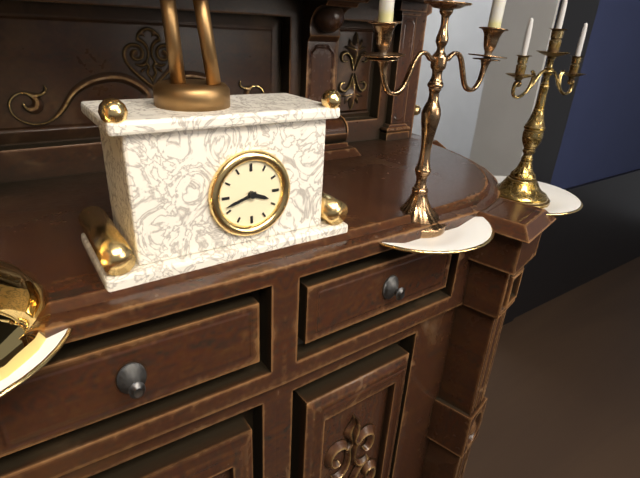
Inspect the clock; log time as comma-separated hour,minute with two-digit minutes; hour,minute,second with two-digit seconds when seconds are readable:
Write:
3,42
